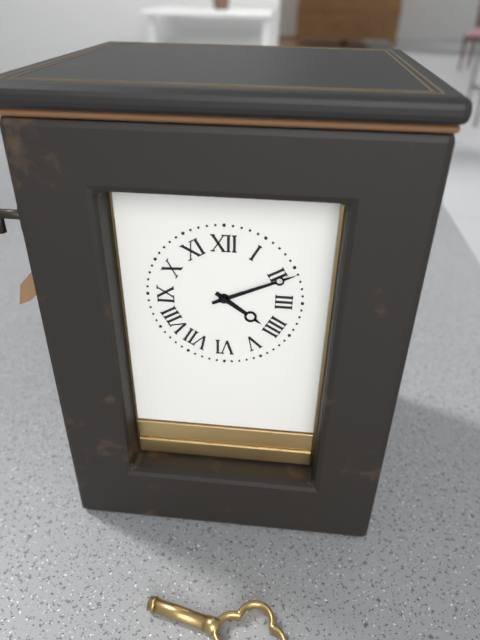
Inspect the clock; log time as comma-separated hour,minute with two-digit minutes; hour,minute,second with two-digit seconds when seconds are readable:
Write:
4,11
